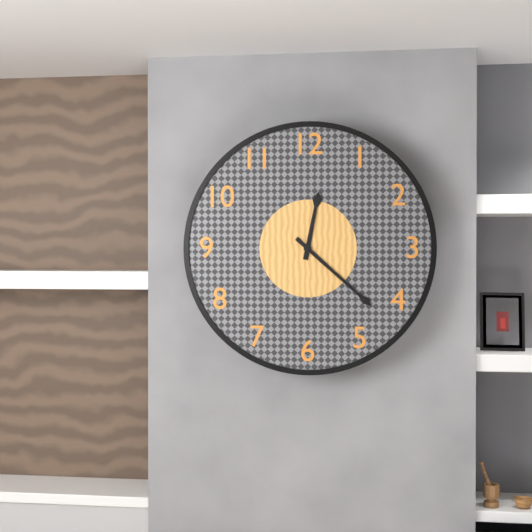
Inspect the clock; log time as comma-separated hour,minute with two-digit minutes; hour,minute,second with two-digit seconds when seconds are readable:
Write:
12,22
